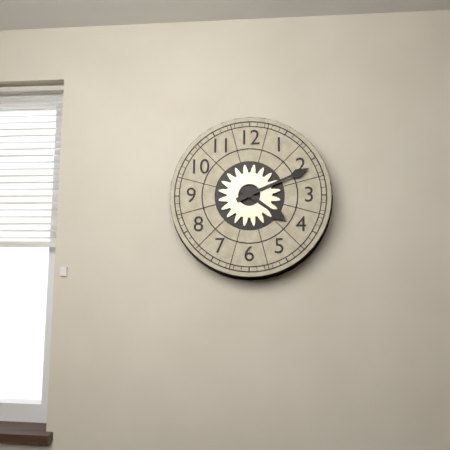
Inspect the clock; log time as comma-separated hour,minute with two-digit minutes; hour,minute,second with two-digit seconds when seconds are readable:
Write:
4,11
